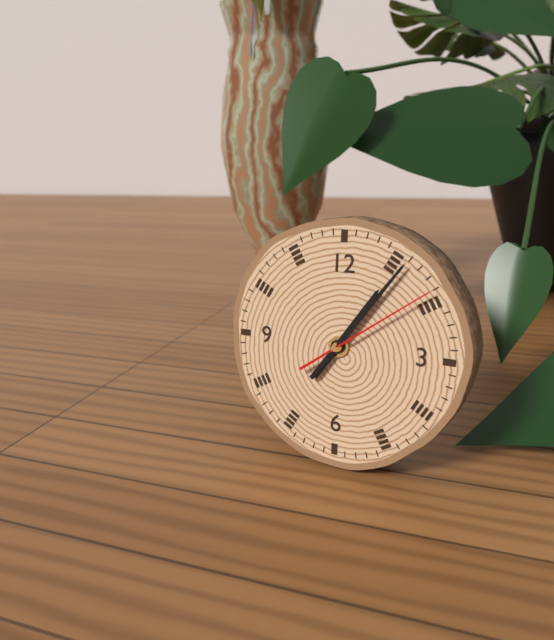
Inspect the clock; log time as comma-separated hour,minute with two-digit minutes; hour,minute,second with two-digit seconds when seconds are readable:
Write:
1,06,09
